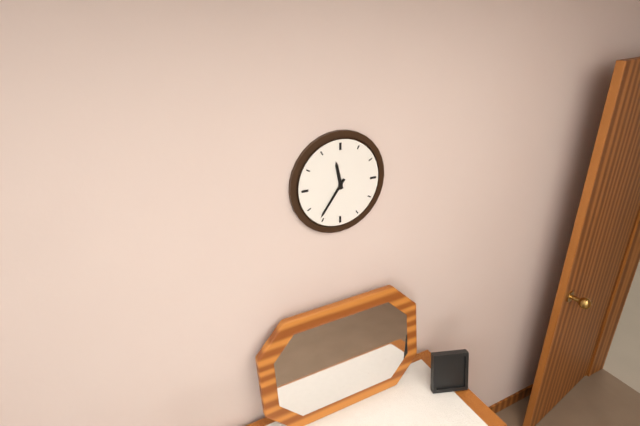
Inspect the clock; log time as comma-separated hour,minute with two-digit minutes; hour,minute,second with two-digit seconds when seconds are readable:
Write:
11,36
